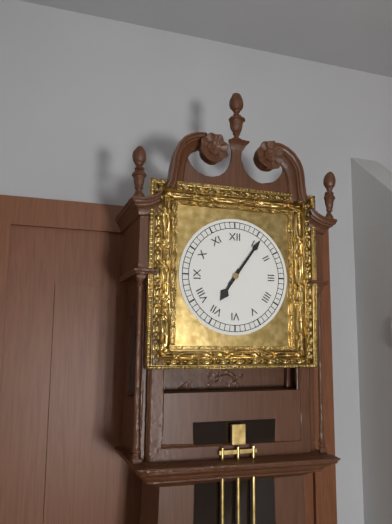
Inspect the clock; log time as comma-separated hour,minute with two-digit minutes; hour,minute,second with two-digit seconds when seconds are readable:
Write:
7,06
